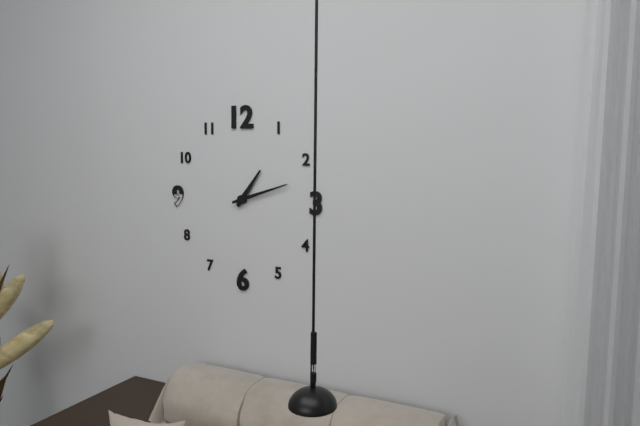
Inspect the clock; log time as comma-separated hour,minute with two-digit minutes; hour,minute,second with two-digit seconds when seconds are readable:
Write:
1,12
